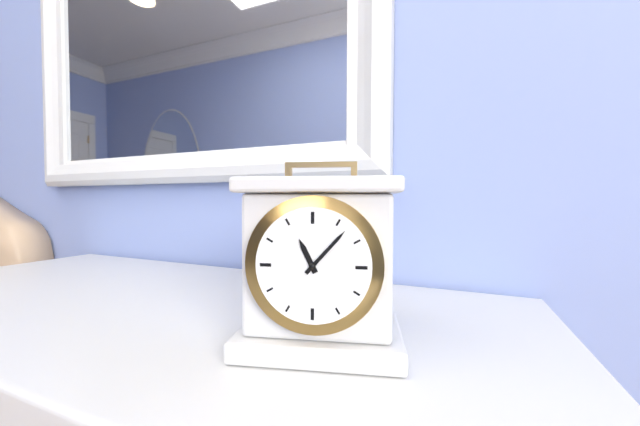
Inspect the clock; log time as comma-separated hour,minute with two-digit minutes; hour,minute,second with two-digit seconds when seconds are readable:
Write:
11,07
